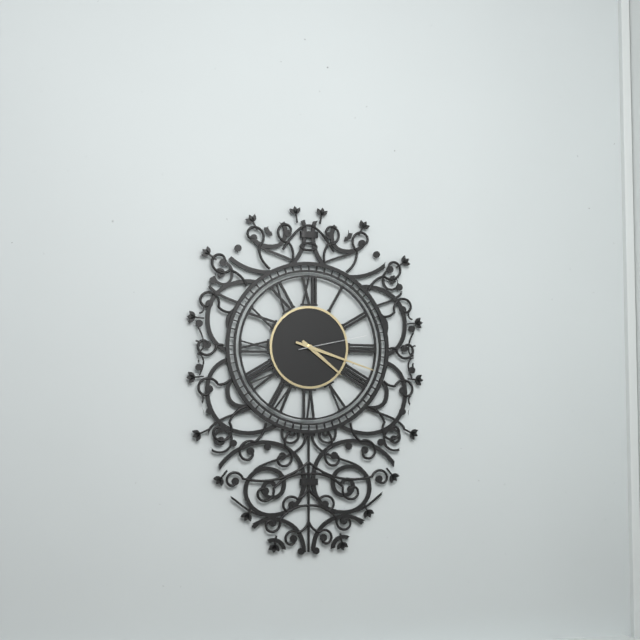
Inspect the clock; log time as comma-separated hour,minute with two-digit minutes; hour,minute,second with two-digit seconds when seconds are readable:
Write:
4,18,13
